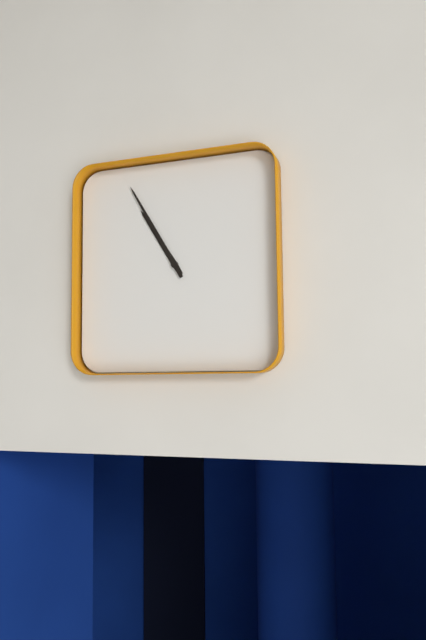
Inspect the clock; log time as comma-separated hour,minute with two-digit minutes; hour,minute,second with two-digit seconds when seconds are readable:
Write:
10,55
